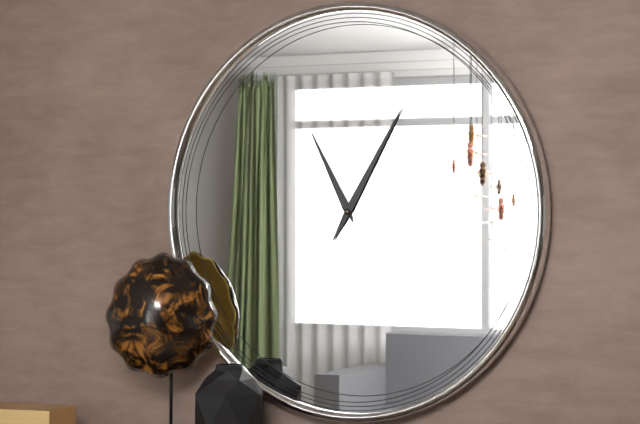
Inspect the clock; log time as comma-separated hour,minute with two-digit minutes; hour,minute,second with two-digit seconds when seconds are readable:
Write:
11,05
